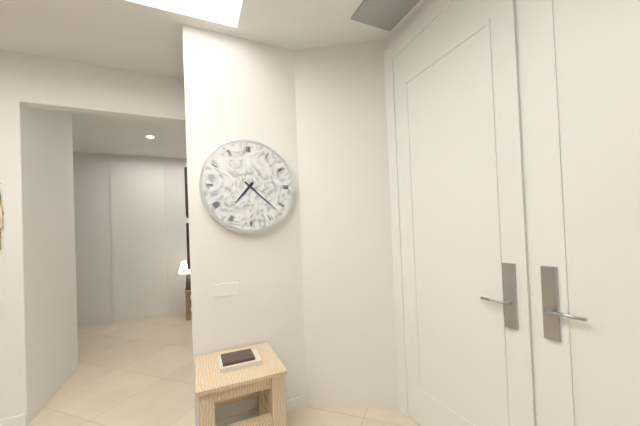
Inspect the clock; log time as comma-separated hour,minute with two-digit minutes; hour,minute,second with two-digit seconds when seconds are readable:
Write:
7,22
